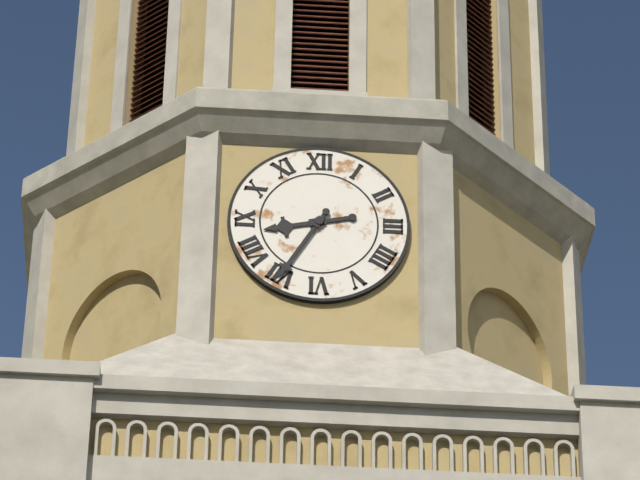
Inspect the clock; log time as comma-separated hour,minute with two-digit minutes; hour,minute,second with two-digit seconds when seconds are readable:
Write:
8,35
